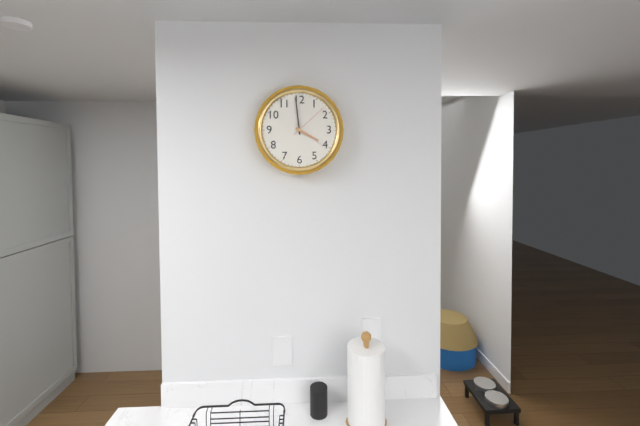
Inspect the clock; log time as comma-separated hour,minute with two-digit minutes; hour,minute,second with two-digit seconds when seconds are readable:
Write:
3,59
